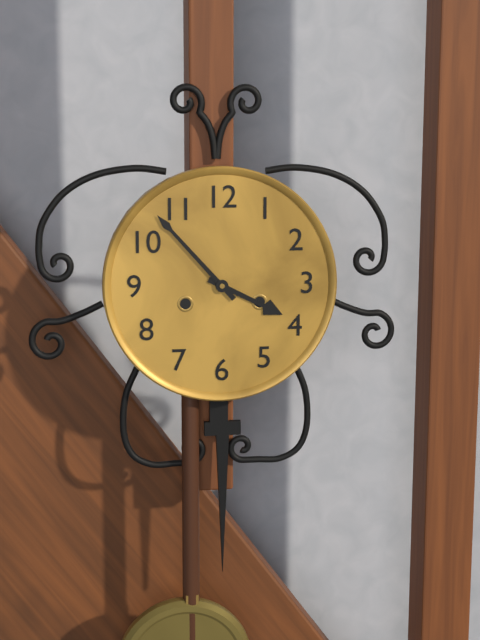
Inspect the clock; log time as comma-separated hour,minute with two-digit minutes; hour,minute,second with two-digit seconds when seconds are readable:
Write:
3,53
